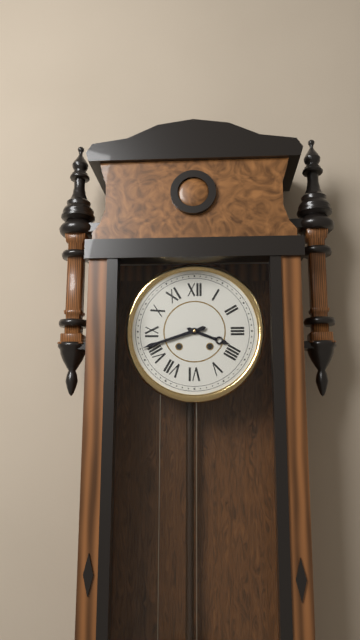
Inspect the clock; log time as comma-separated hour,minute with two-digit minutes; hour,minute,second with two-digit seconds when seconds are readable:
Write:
3,42
